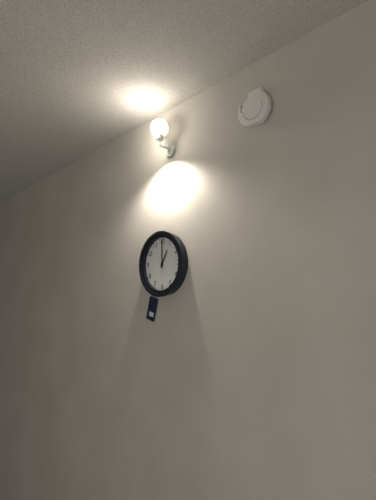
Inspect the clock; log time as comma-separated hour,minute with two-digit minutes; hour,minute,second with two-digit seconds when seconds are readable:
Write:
1,00
